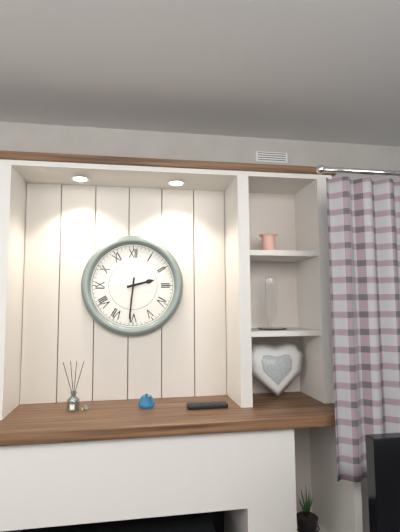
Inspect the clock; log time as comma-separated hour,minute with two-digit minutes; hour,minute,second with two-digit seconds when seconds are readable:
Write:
2,31
